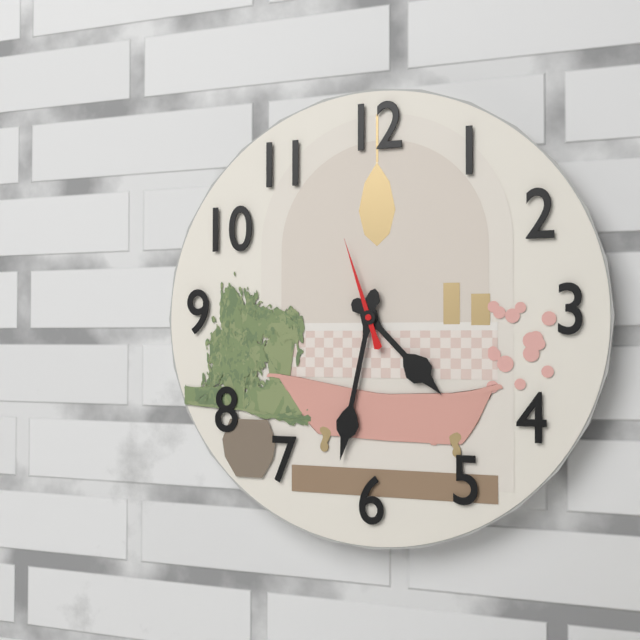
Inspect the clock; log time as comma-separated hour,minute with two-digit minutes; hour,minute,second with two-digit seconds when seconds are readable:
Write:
4,32,57
